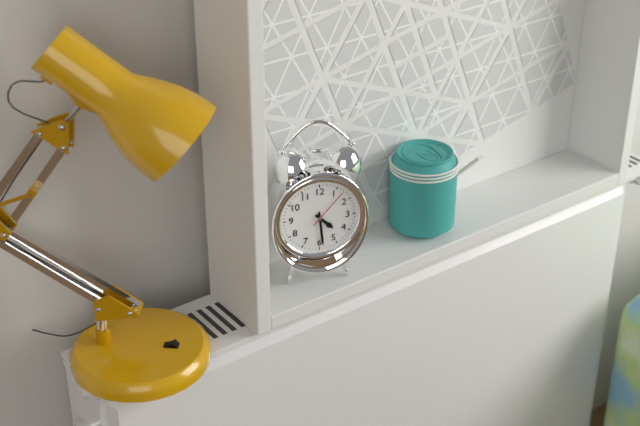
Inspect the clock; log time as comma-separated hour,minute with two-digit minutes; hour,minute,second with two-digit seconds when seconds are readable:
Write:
4,29
